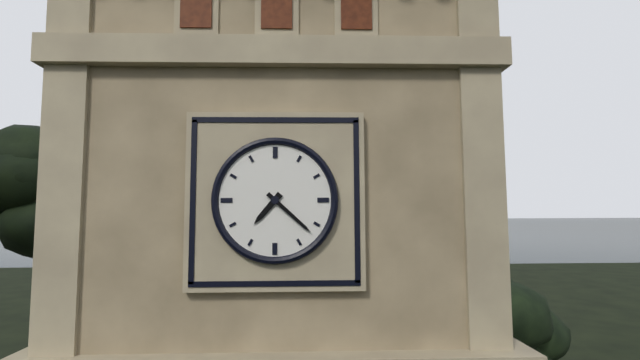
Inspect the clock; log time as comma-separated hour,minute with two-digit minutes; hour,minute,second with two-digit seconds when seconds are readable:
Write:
7,22
